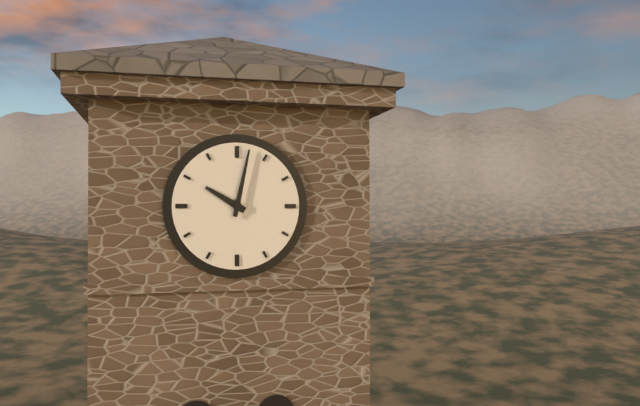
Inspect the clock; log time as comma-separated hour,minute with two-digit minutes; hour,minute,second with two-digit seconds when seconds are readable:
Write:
10,02
